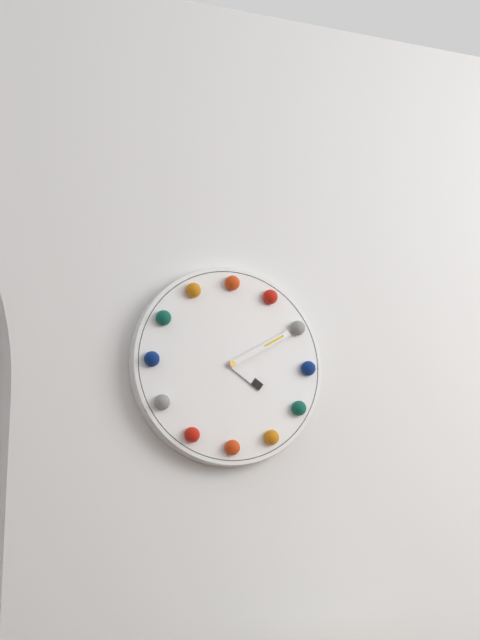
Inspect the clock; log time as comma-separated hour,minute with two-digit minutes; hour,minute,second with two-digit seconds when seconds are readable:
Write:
4,10
